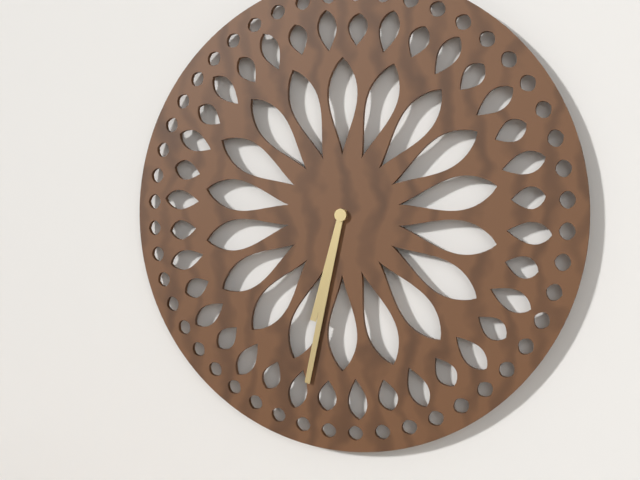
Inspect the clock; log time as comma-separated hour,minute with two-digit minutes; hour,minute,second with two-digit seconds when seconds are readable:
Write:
6,32
